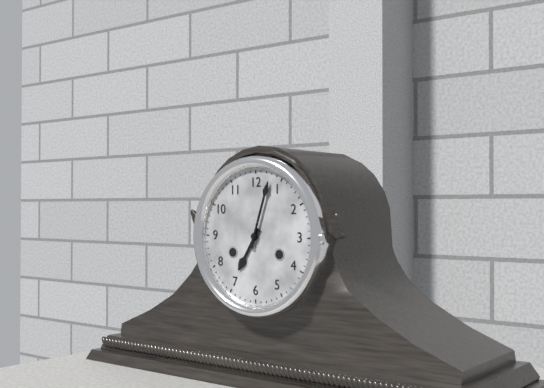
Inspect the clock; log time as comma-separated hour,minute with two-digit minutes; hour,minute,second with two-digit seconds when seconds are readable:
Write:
7,03
